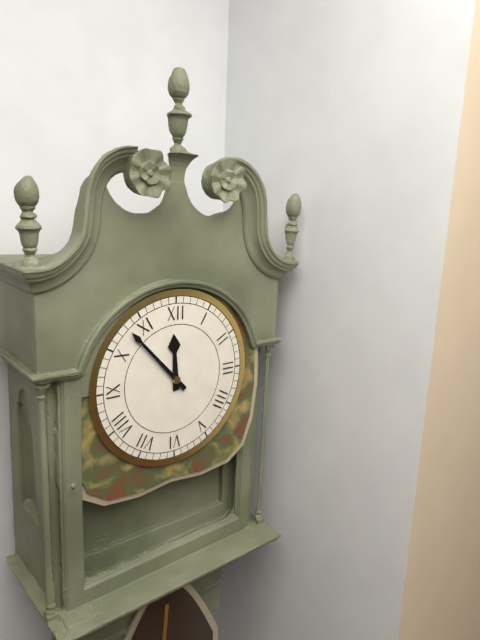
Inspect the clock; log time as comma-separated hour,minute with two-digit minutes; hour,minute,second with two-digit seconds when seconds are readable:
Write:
11,53
